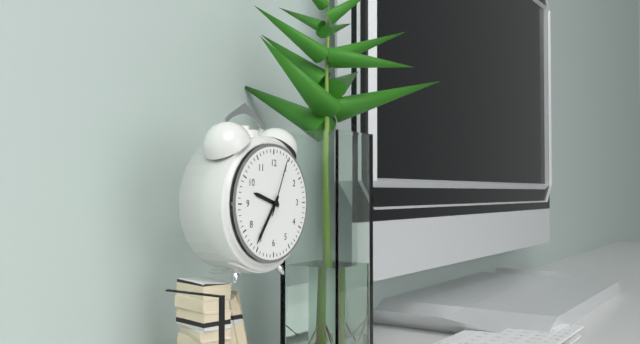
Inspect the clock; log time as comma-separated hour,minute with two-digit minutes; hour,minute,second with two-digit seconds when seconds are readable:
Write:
9,36,04
